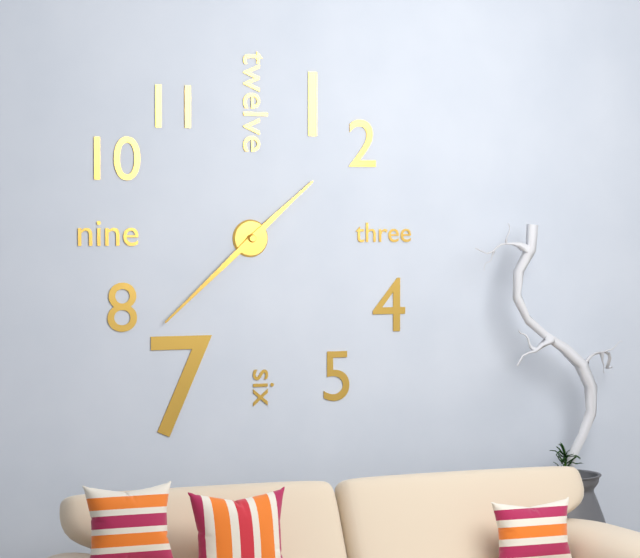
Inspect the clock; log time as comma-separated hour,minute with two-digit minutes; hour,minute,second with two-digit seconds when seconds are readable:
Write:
1,38
